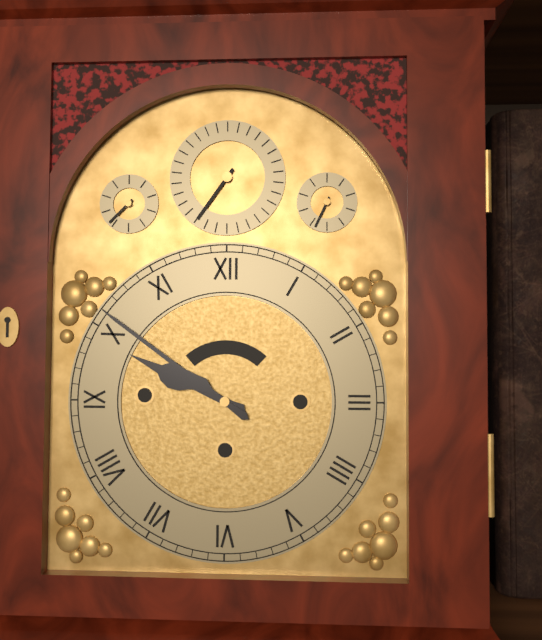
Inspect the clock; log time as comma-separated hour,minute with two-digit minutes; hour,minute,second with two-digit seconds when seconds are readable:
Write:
9,51
